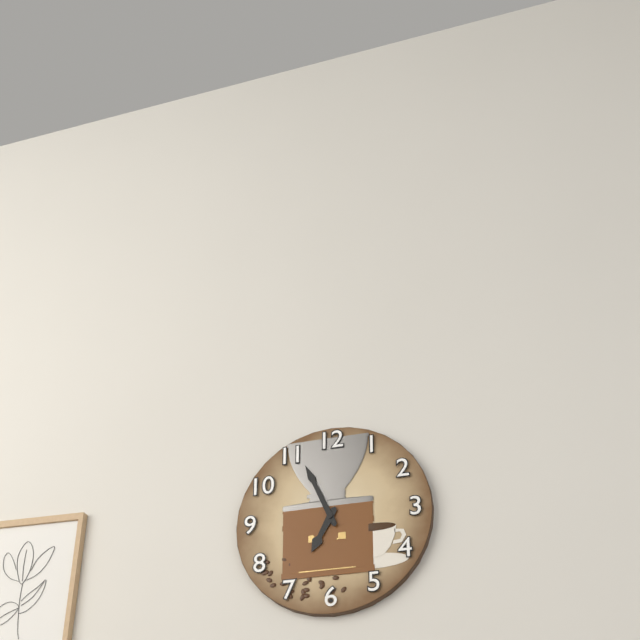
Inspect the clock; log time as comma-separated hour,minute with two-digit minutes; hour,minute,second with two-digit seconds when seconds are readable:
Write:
6,56
